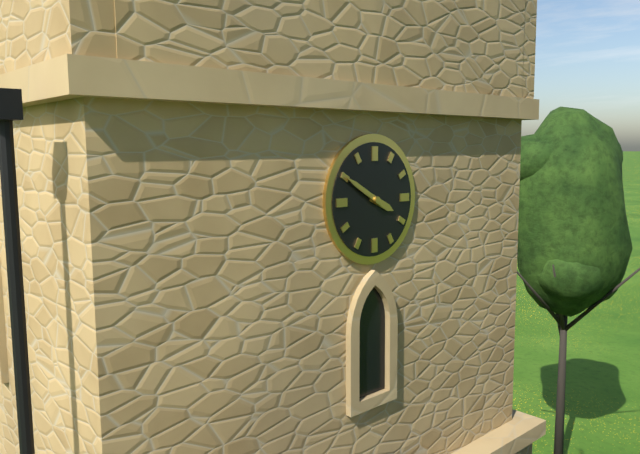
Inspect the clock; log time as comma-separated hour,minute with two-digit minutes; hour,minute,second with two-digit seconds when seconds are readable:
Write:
3,50
